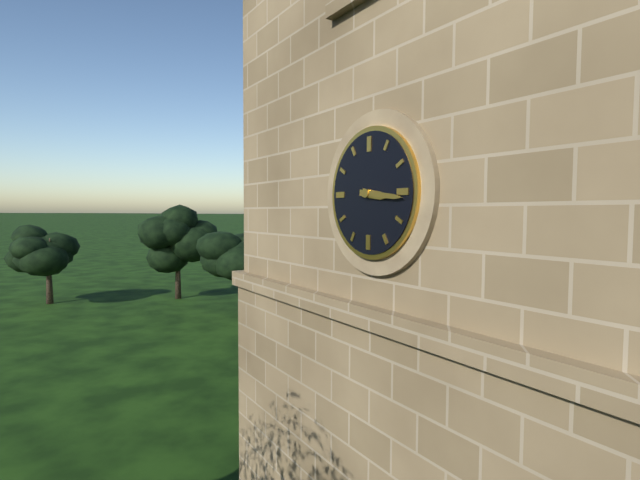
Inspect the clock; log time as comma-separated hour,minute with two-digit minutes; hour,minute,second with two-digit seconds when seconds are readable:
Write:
3,16
